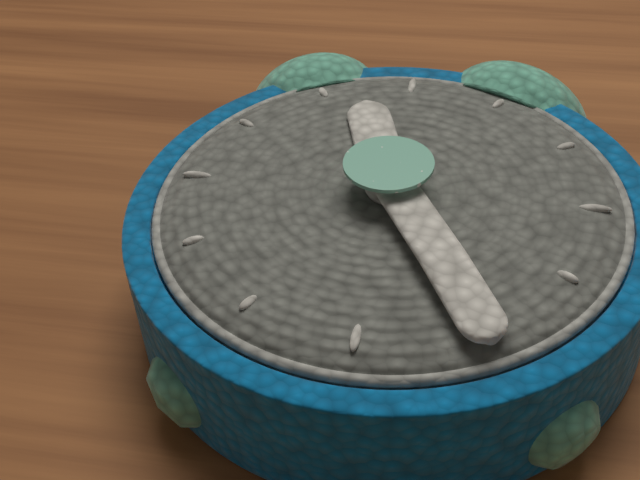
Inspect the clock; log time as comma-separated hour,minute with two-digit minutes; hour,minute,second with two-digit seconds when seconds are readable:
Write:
11,25
